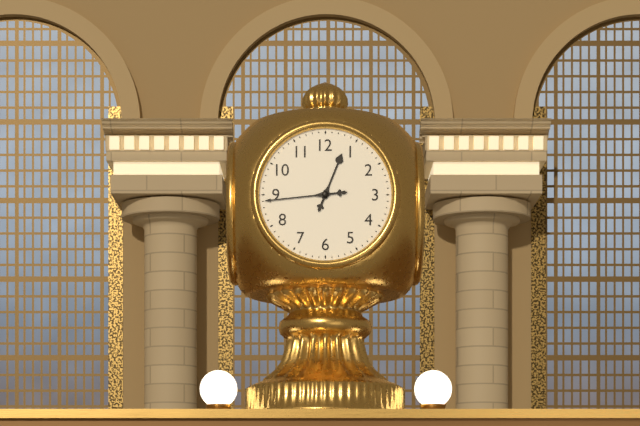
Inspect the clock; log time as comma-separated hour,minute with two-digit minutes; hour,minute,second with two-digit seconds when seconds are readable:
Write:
12,44
